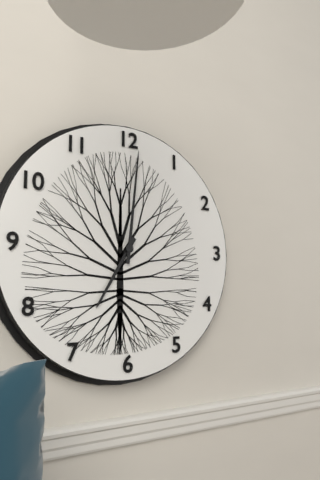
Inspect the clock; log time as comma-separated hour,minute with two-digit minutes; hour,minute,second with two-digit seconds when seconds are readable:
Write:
7,01
